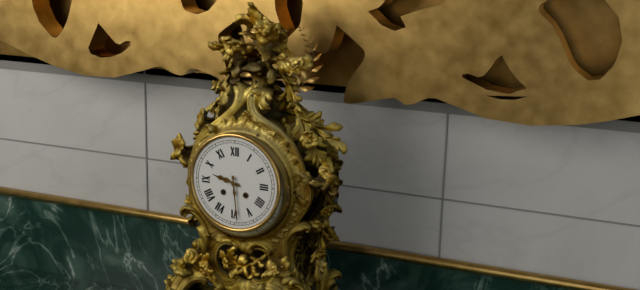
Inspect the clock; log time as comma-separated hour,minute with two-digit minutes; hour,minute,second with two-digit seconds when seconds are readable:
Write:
9,29
